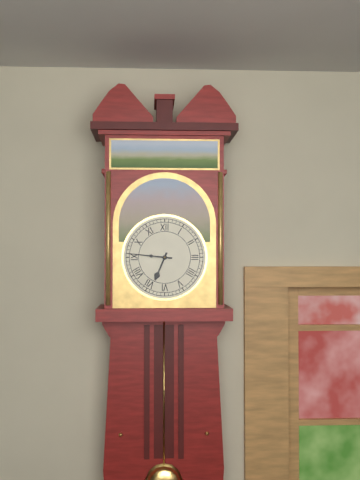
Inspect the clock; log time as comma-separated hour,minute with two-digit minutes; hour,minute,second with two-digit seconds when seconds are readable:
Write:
6,46
